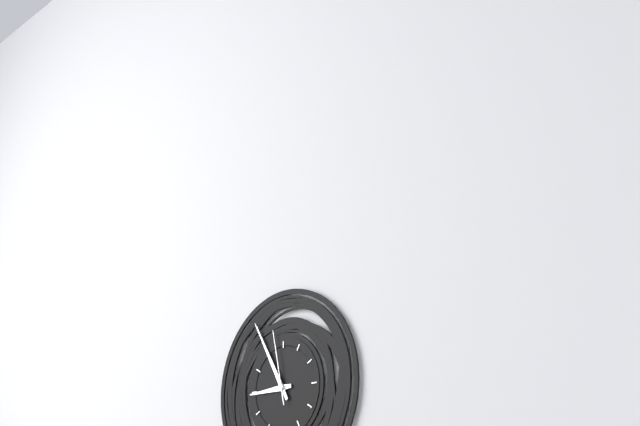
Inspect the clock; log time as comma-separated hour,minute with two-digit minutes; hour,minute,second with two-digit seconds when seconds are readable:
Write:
8,55,58
